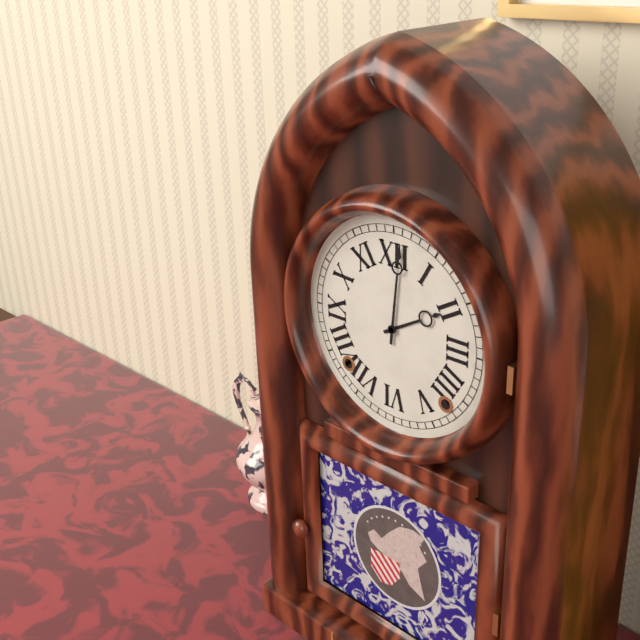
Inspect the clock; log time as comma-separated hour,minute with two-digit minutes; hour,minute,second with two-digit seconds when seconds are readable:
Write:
2,01
